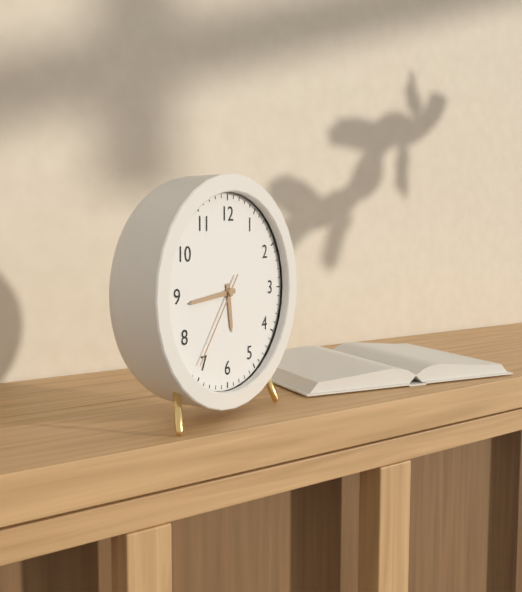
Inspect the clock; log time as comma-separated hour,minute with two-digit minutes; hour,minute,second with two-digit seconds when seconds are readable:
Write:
5,44,36
